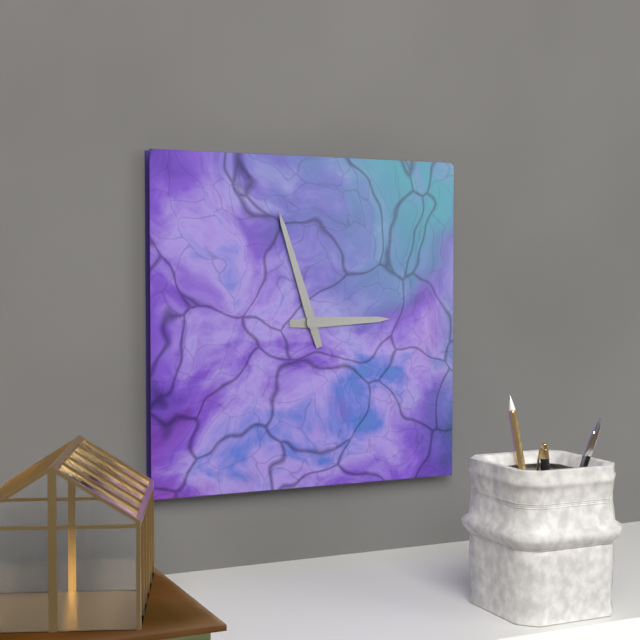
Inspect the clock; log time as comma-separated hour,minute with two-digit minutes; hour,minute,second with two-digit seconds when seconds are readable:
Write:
2,57
